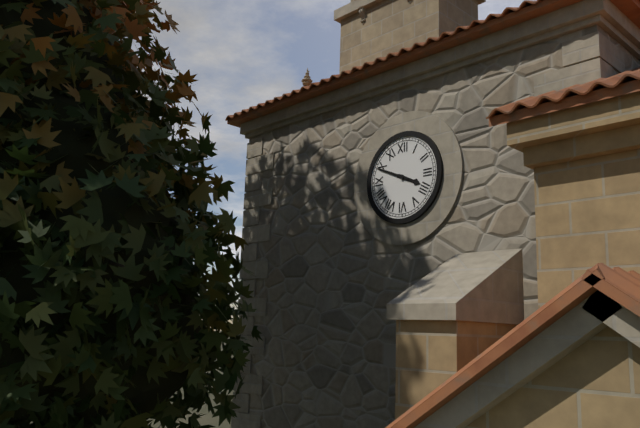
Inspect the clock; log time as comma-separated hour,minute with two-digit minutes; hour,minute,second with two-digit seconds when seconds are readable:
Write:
3,49
